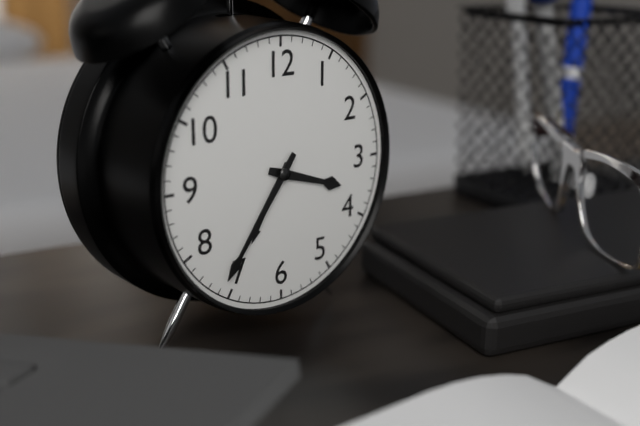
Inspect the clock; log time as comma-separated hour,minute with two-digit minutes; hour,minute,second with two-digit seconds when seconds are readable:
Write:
3,36
